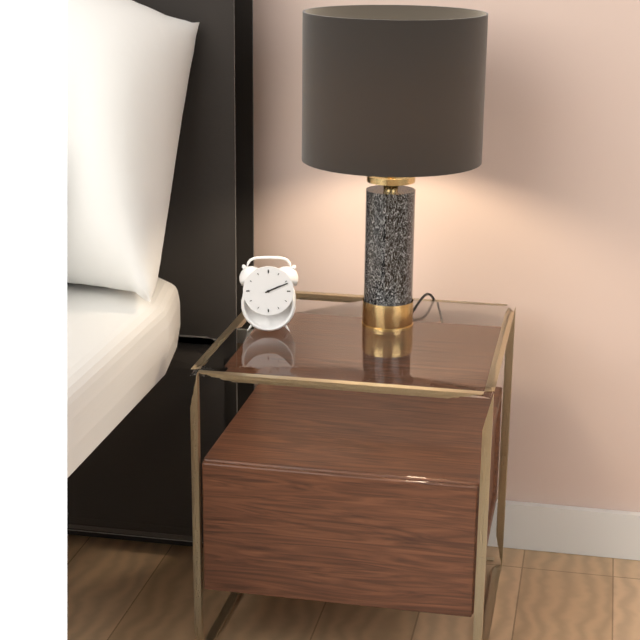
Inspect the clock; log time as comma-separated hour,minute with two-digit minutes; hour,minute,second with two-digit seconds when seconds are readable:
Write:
2,11
